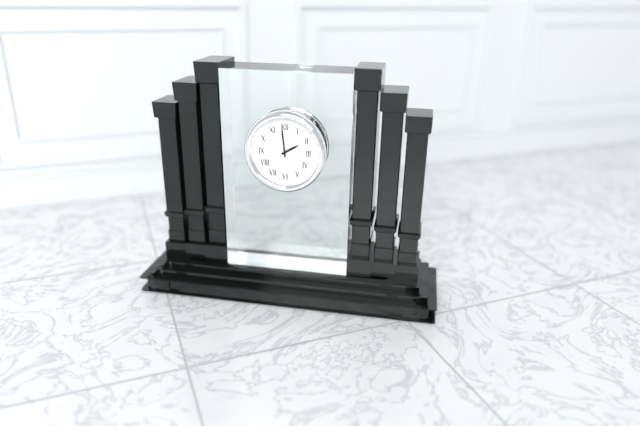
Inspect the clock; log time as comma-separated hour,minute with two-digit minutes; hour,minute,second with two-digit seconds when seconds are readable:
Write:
1,59
